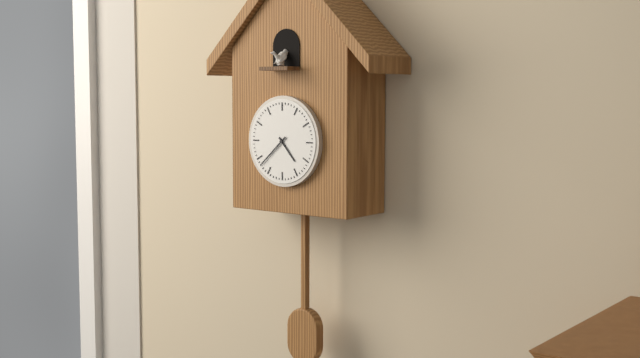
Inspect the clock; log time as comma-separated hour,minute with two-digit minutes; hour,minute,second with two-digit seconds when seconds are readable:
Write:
4,38
